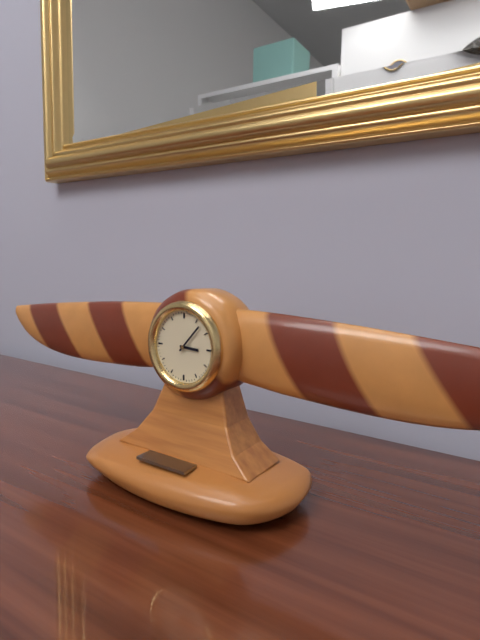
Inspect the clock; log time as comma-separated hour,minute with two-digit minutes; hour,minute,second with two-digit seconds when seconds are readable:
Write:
3,07
